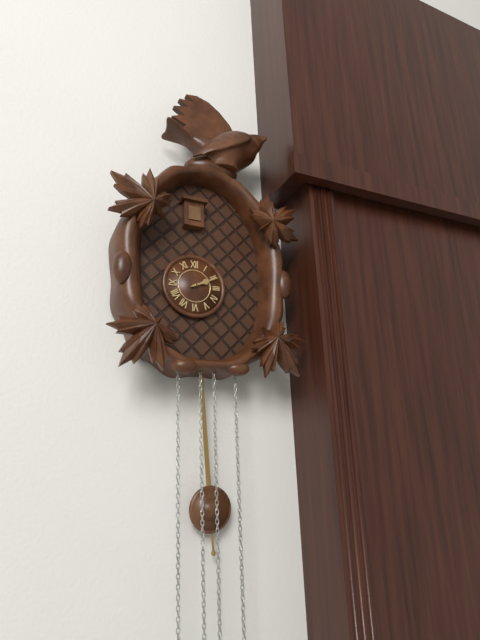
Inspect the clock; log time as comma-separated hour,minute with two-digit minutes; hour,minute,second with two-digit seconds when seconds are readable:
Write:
2,11
